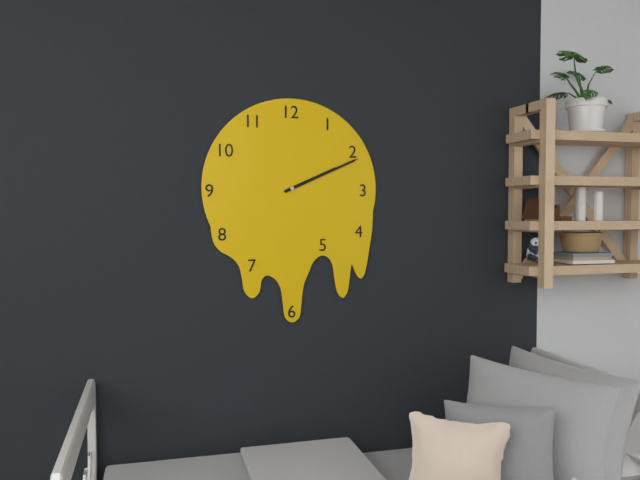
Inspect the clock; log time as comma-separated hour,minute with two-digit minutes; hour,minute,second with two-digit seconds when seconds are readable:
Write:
2,11
